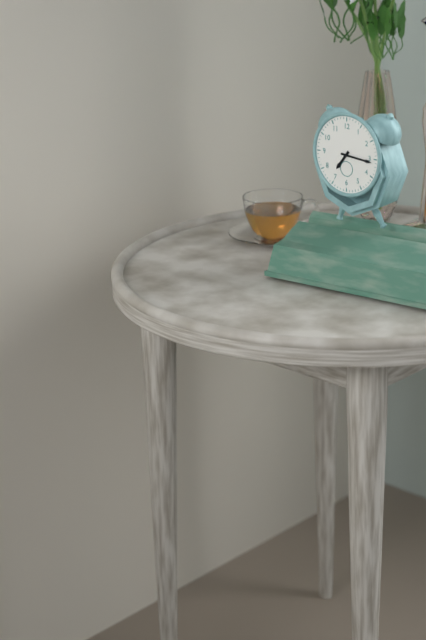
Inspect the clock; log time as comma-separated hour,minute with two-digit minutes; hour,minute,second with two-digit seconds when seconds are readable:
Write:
7,16
